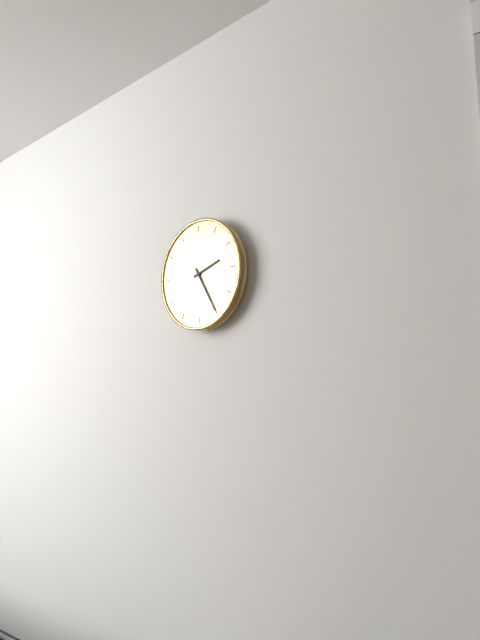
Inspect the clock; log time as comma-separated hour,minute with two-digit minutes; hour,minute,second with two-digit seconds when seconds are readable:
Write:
2,25
